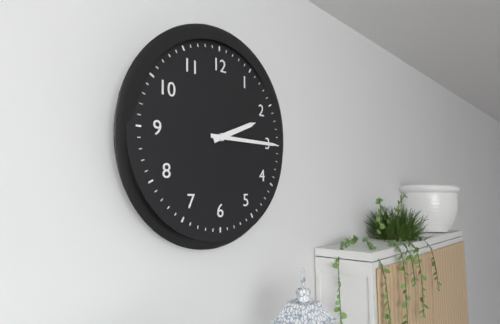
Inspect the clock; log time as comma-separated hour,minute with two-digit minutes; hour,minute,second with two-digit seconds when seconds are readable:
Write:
2,15
